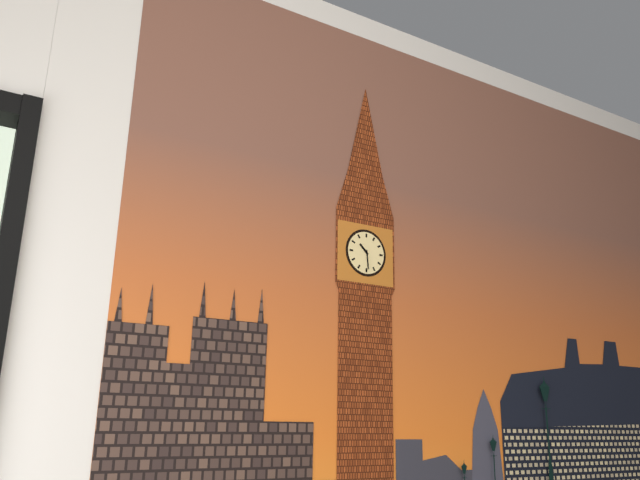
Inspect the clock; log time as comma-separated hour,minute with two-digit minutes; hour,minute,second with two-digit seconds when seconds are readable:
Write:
10,29
